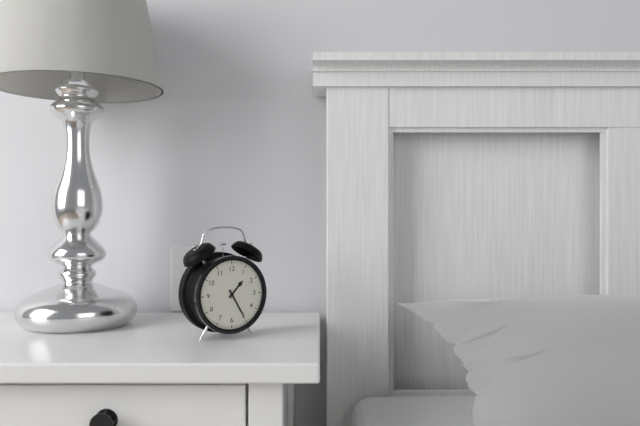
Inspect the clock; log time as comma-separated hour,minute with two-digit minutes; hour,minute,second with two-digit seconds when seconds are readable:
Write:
1,25
